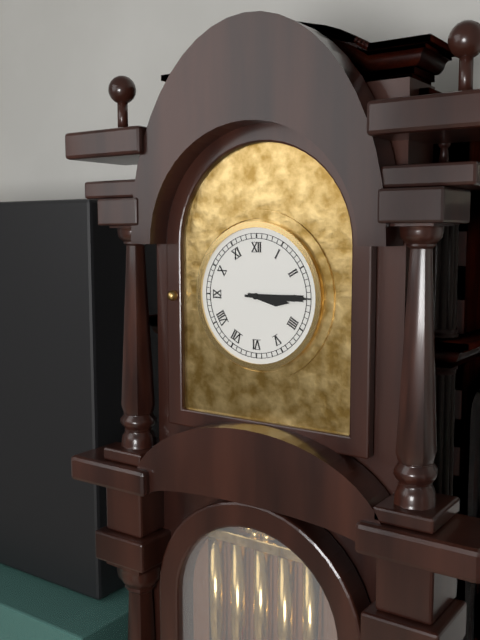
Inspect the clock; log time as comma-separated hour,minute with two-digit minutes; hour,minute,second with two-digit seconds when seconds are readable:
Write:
3,15
